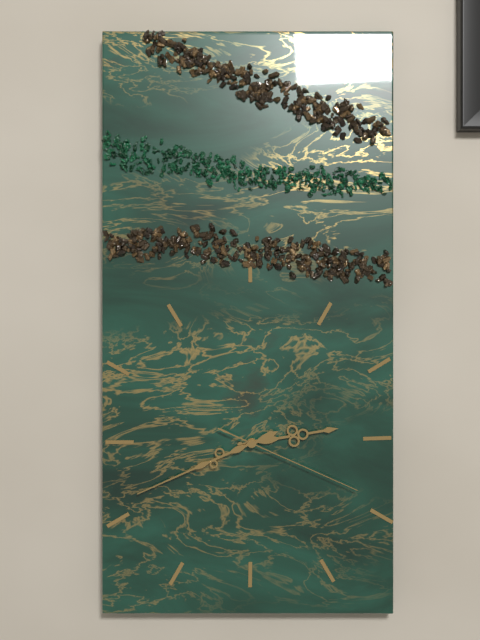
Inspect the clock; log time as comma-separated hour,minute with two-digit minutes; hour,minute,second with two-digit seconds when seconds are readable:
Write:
2,41,19
